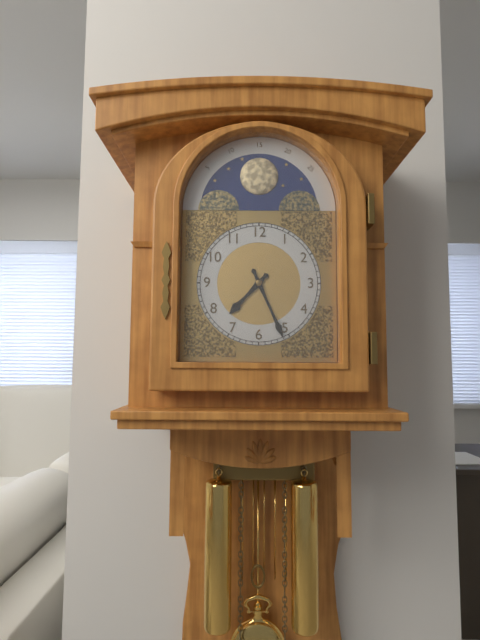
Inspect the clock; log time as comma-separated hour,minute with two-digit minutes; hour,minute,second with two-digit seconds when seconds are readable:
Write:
7,26
